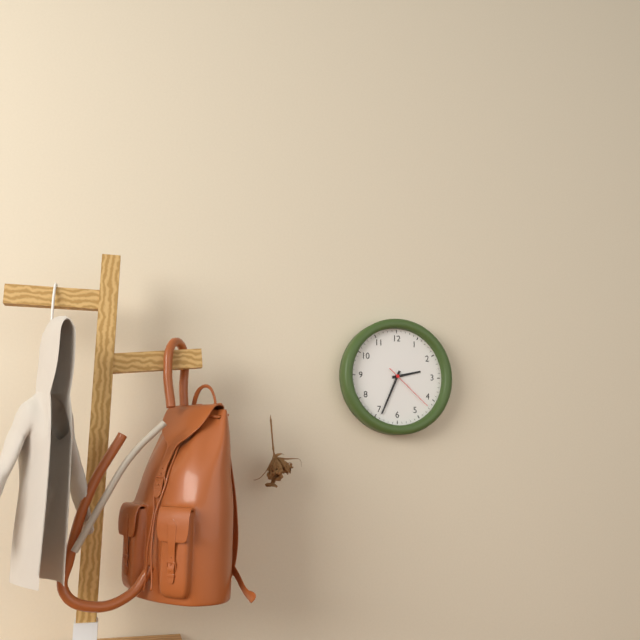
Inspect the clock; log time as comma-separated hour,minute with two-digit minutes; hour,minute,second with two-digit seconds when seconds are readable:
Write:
2,34,22
